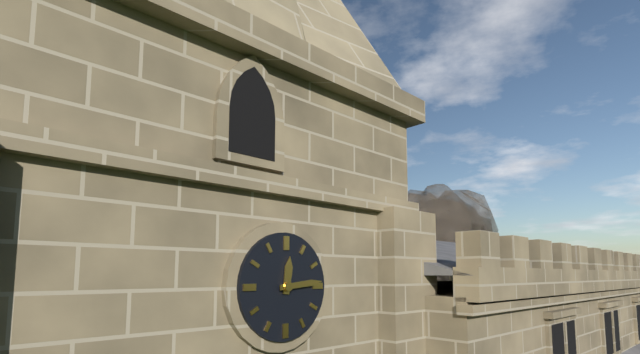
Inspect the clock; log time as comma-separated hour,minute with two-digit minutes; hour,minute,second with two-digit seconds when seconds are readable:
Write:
12,14
